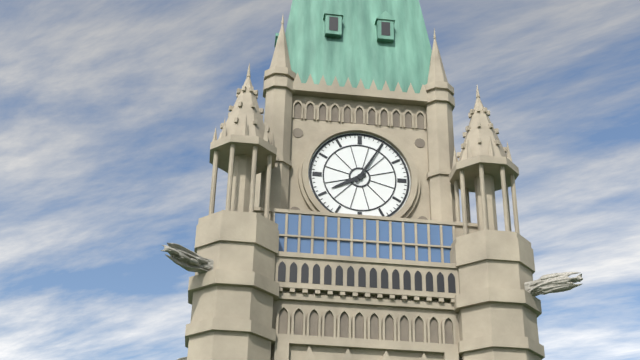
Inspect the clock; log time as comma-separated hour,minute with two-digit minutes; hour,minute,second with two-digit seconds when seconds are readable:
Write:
8,05
